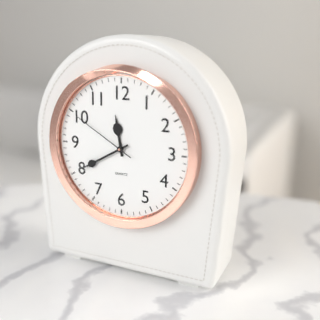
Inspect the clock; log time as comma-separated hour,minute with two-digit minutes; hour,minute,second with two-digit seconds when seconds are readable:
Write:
11,40,50
